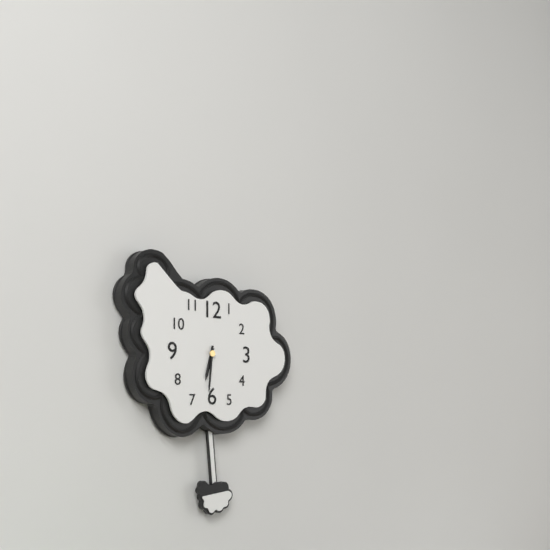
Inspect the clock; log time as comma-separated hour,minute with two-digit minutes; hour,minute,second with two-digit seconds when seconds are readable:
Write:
6,31
